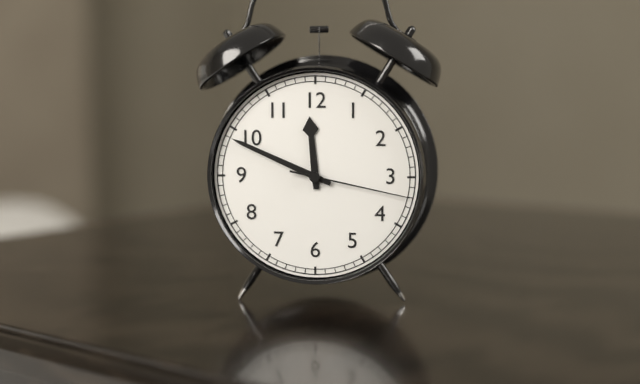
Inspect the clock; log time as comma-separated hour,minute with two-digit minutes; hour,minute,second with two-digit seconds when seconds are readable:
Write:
11,49,17
